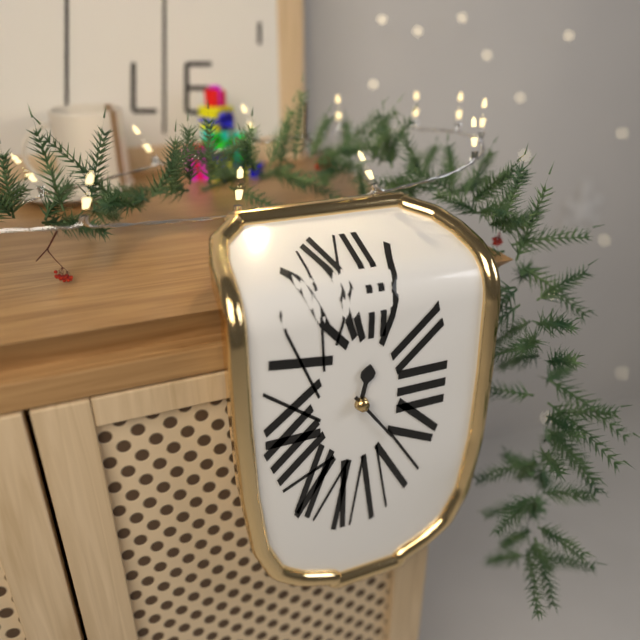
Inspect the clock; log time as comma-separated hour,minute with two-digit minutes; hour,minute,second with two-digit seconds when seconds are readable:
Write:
12,24
